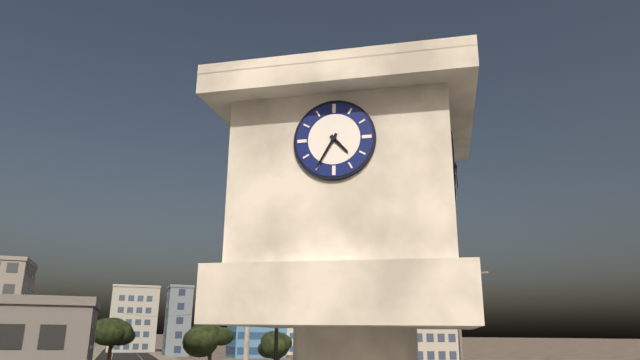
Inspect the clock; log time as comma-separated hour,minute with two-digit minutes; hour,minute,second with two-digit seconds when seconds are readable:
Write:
4,35
